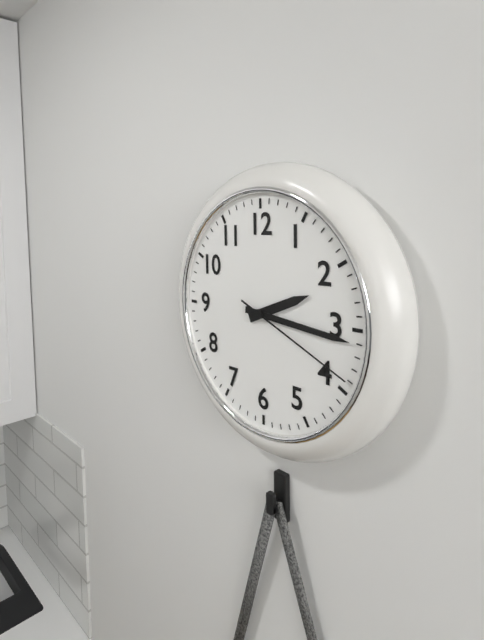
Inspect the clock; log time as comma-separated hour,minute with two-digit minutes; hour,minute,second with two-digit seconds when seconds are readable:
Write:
2,16,19
